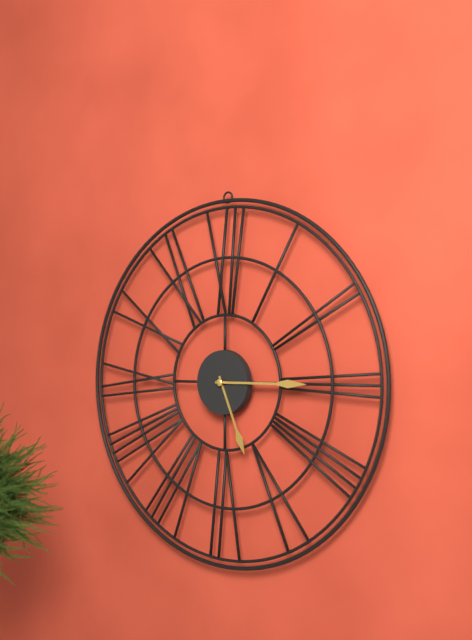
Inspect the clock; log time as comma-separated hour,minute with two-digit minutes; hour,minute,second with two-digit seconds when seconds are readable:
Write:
5,15
